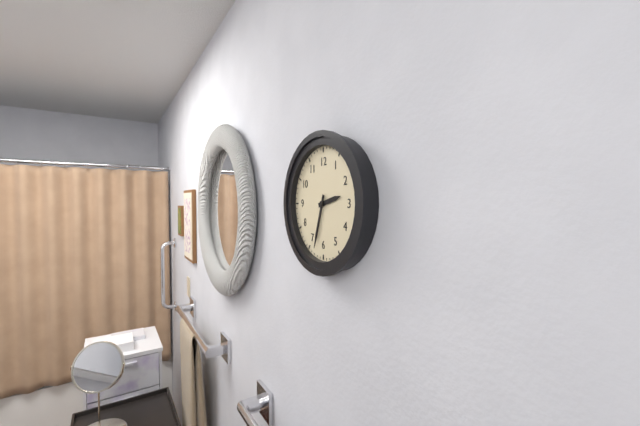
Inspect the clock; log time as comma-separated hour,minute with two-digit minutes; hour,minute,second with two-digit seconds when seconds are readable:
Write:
2,33
